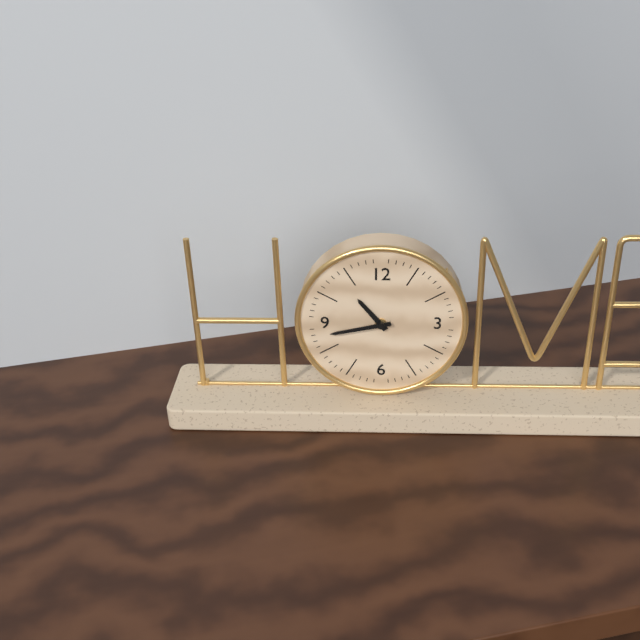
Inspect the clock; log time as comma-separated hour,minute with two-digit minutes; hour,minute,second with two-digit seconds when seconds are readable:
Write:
10,43
